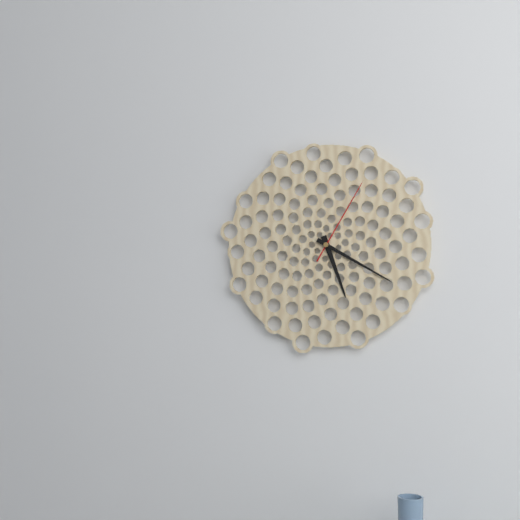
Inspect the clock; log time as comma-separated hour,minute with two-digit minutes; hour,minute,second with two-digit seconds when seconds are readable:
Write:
5,20,05
